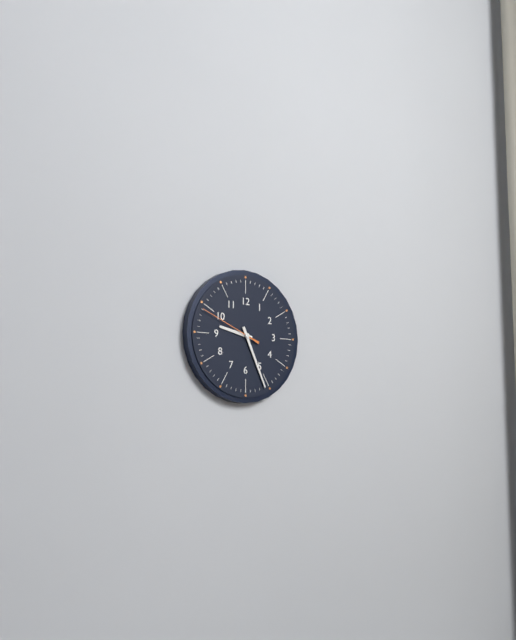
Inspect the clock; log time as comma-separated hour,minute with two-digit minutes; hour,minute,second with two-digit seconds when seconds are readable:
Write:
9,26,49
